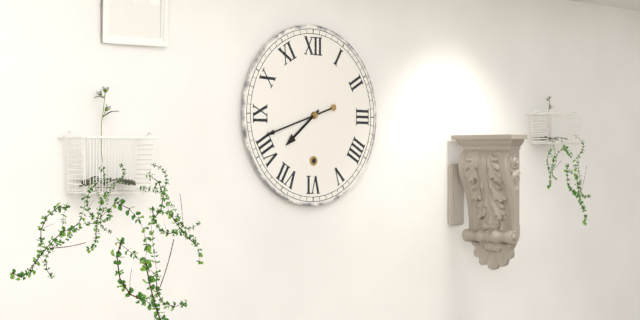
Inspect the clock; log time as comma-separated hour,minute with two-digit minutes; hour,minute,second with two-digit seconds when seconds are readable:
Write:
7,42
